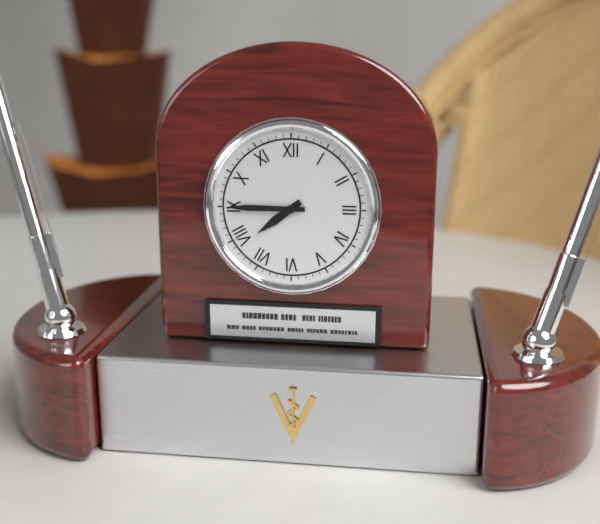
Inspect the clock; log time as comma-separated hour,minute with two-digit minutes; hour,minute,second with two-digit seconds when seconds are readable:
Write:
7,45
